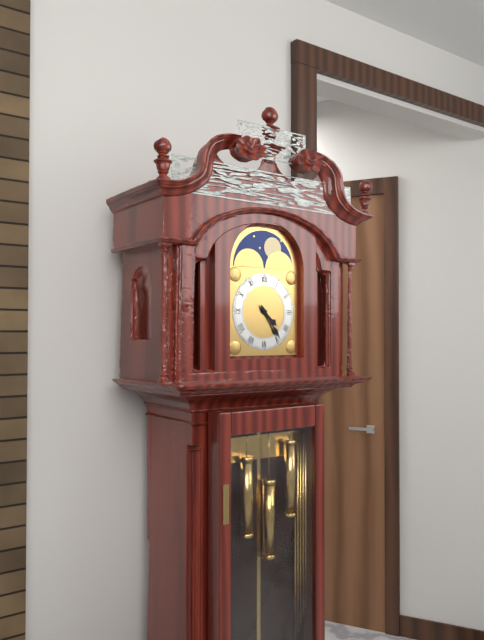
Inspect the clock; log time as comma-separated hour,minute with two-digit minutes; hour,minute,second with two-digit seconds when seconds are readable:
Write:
4,24
